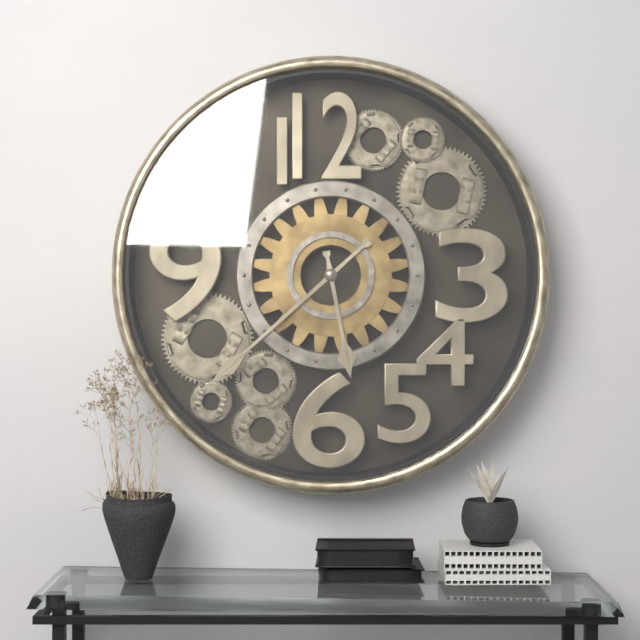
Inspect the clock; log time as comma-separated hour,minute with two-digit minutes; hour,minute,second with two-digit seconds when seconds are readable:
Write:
5,38
